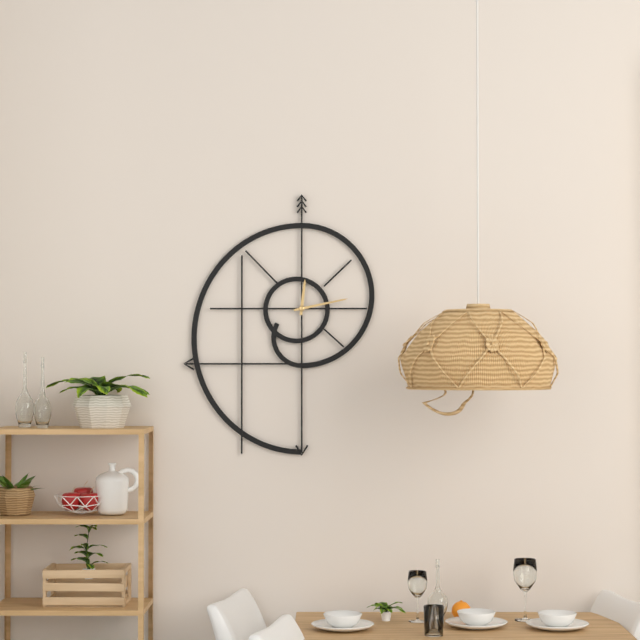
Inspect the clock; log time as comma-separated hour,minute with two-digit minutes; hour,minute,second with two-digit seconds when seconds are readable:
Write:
12,13
